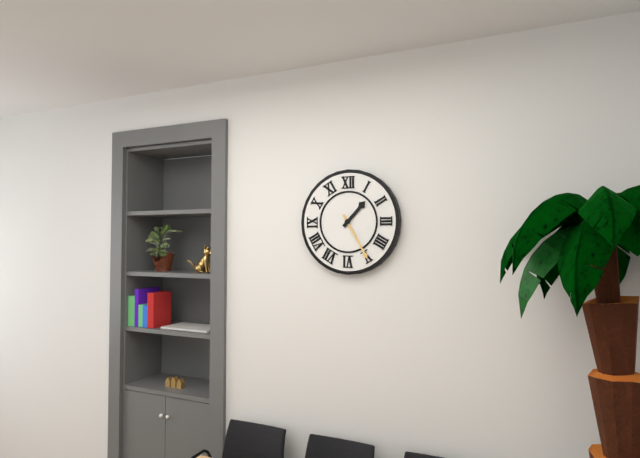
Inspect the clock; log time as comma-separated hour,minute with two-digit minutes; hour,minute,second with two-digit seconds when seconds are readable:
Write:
1,25
